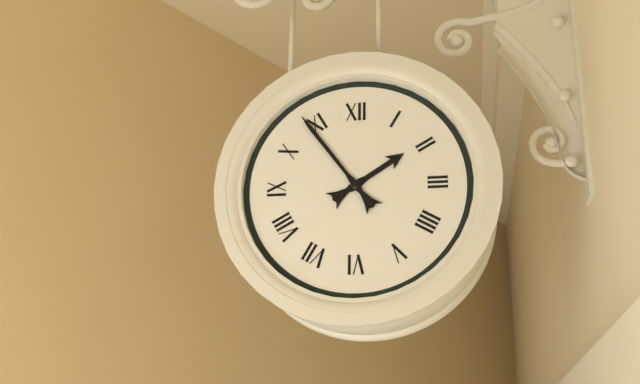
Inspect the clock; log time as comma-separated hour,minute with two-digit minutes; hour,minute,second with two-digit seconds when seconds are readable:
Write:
1,54
